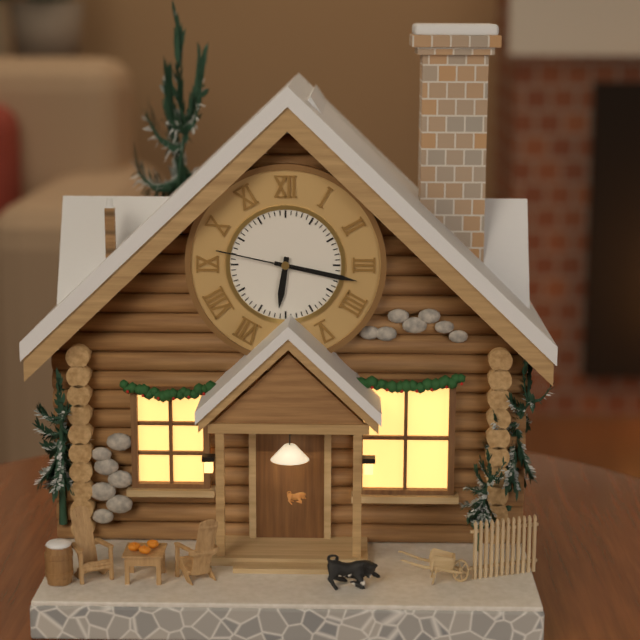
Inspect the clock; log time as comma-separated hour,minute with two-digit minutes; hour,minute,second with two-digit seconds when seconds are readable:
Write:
6,17,47
